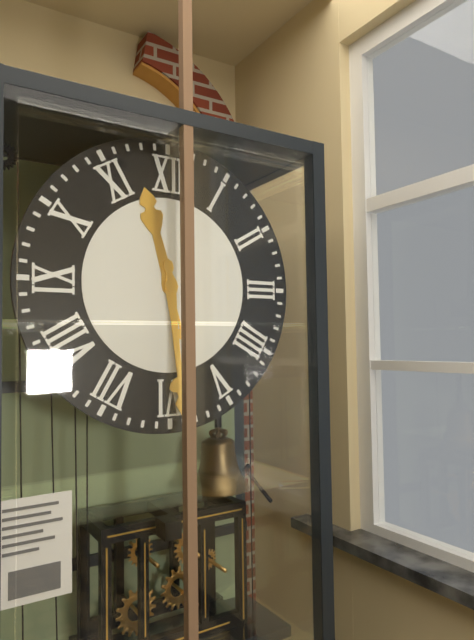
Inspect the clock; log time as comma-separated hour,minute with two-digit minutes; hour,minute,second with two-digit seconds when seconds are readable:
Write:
11,29
